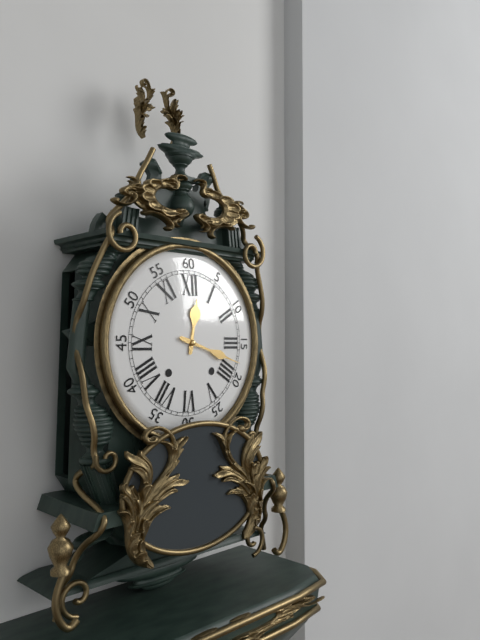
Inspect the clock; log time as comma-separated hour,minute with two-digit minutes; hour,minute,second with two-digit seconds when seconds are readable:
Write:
12,18
